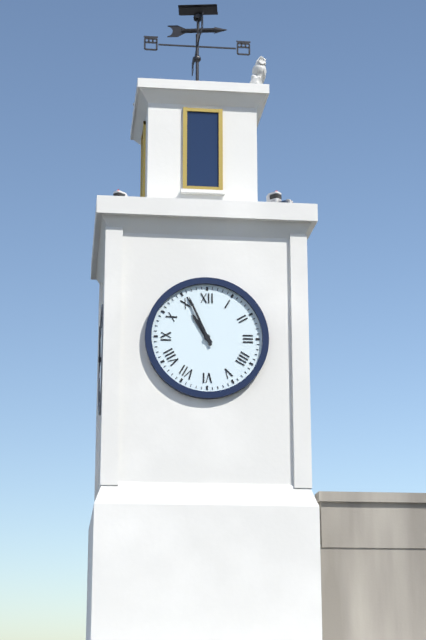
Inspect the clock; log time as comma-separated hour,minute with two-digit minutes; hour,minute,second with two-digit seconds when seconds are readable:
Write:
10,56
